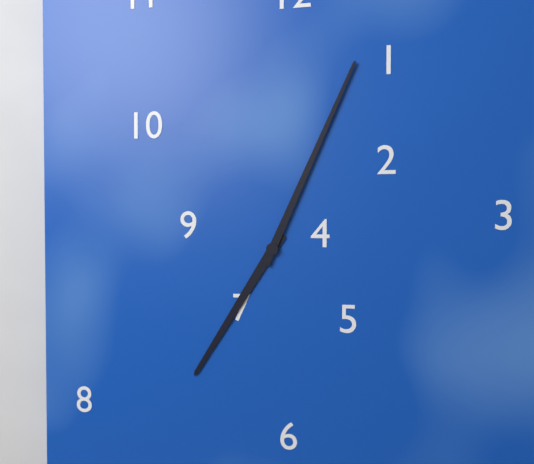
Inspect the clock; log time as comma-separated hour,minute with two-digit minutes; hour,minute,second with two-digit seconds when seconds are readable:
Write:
7,04
